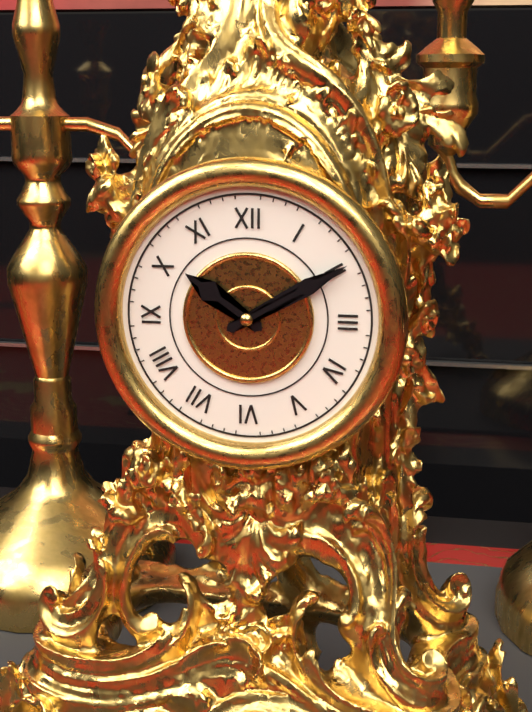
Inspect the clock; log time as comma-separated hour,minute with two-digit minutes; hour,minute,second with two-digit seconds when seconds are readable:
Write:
10,10
